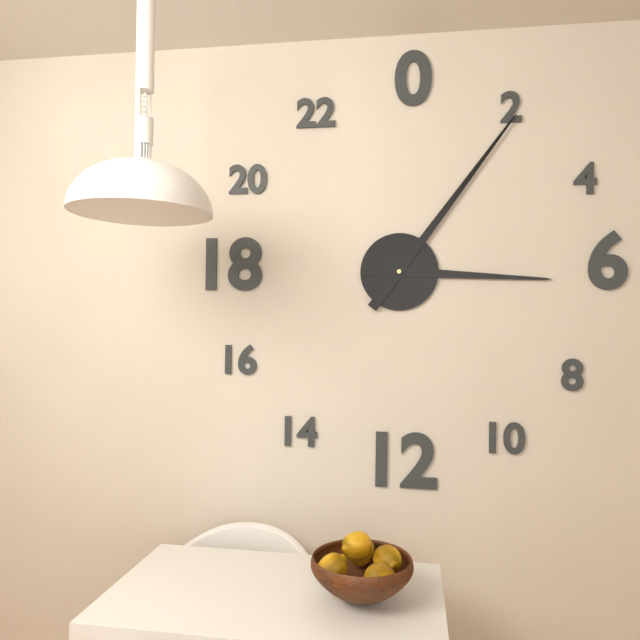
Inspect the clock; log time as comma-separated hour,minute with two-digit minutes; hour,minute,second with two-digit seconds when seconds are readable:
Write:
3,06
